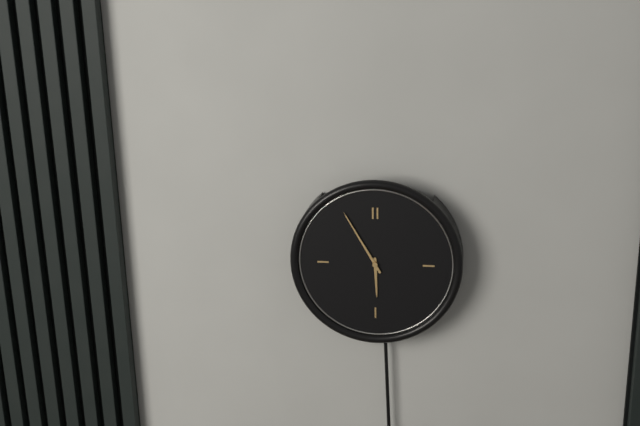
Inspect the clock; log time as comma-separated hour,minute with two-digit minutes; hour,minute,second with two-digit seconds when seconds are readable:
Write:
5,55
